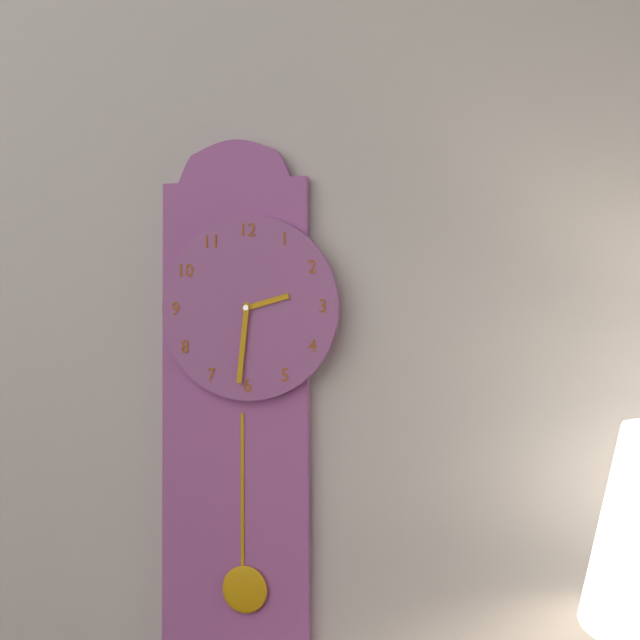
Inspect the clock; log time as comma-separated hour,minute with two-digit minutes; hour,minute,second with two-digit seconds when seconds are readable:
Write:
2,31
